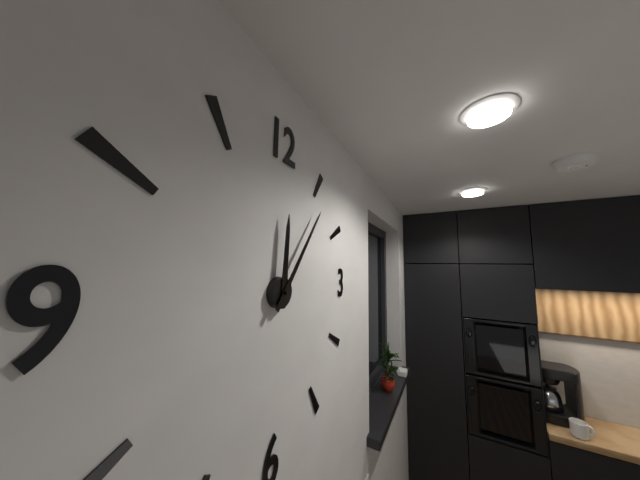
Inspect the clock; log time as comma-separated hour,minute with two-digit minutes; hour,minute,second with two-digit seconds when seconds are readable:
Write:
12,06
